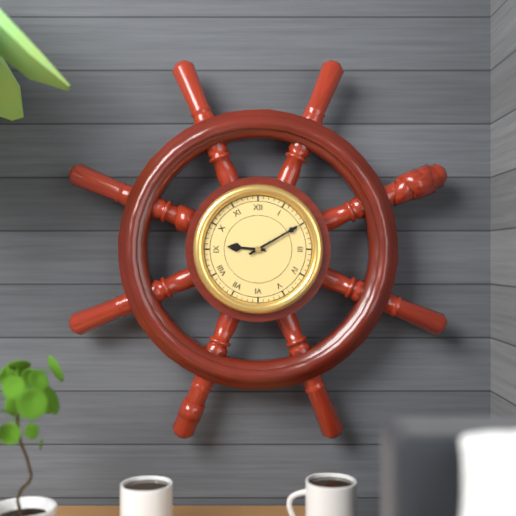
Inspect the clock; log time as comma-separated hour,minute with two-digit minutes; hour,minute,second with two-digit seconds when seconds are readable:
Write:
9,10
